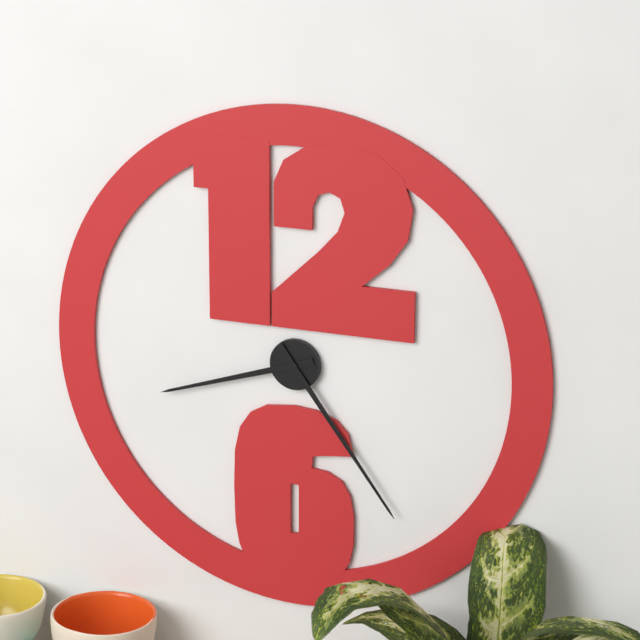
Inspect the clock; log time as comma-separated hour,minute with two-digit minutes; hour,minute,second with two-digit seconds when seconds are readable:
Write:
8,24
